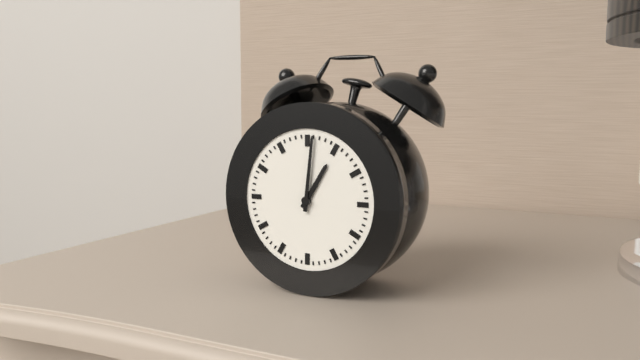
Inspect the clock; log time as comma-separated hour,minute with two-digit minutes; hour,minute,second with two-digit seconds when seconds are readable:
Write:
1,01
